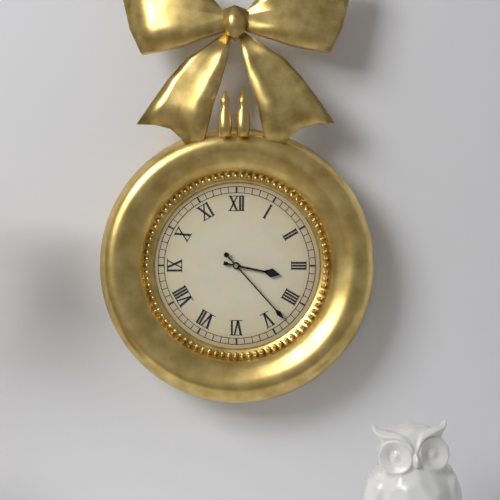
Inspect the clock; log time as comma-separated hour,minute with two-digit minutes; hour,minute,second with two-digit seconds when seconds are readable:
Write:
3,23
